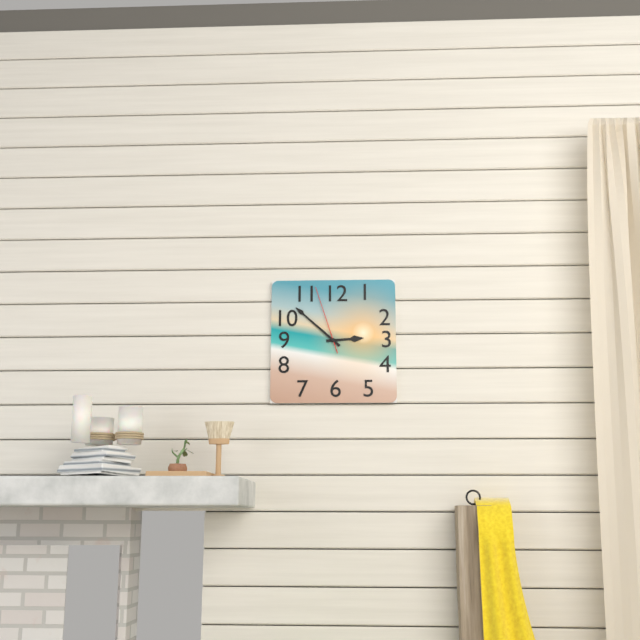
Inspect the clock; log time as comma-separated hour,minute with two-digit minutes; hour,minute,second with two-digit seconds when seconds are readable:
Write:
2,52,57
